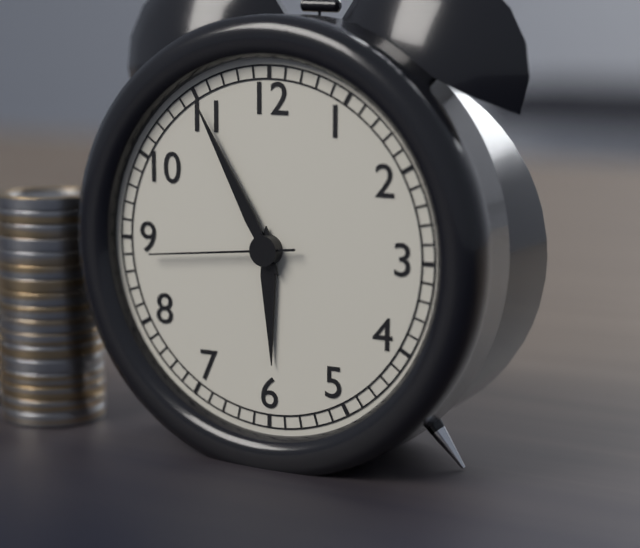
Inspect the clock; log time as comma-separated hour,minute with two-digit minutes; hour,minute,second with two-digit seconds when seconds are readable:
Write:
5,55,44
